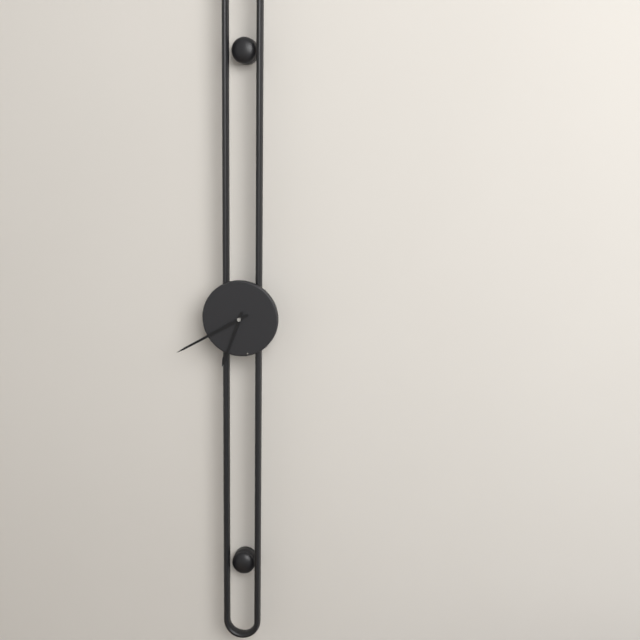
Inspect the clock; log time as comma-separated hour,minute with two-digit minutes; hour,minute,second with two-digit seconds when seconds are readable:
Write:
6,40
